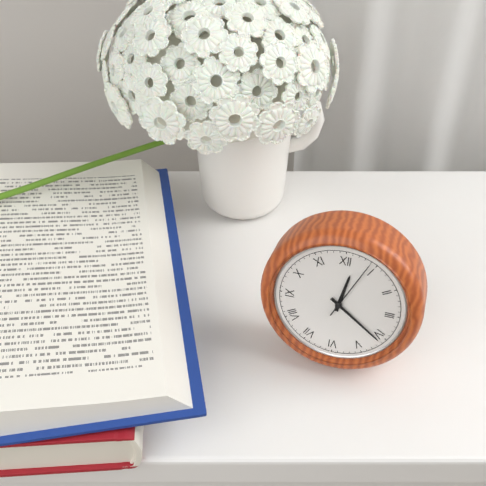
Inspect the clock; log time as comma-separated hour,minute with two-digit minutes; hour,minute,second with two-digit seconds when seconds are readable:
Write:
12,21,04
